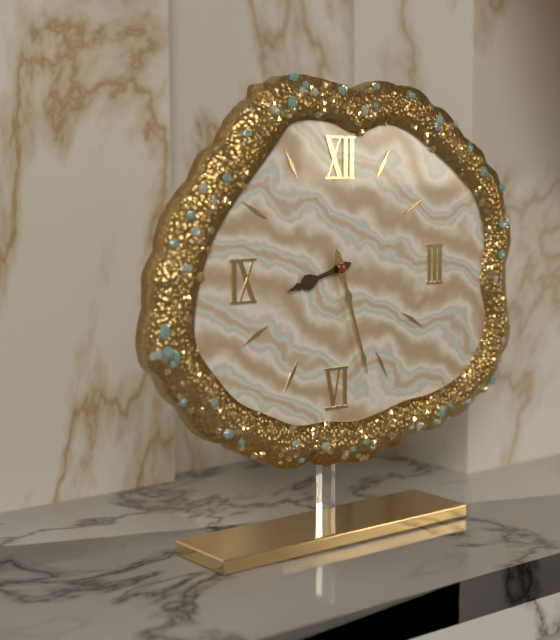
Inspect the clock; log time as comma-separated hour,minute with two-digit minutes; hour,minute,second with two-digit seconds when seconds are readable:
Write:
8,27
